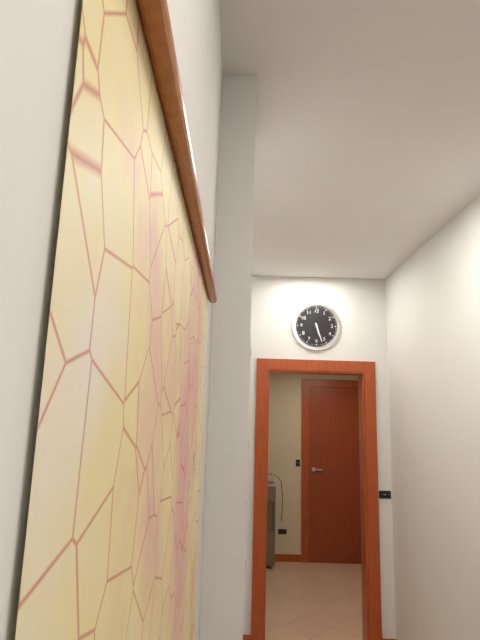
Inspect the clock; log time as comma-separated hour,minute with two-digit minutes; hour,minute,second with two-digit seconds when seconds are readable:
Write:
5,27
